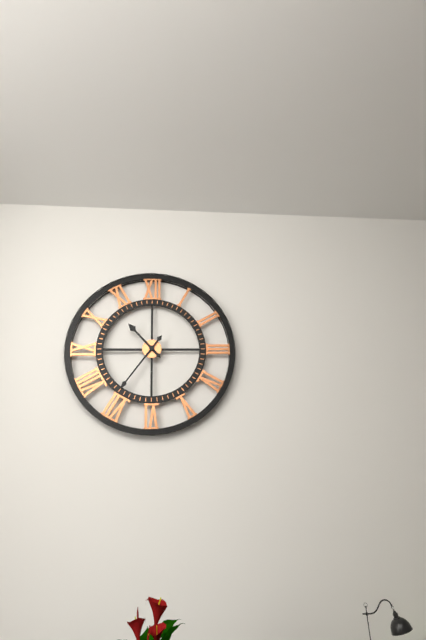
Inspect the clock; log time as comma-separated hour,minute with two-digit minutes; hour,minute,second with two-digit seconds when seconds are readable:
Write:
10,36
